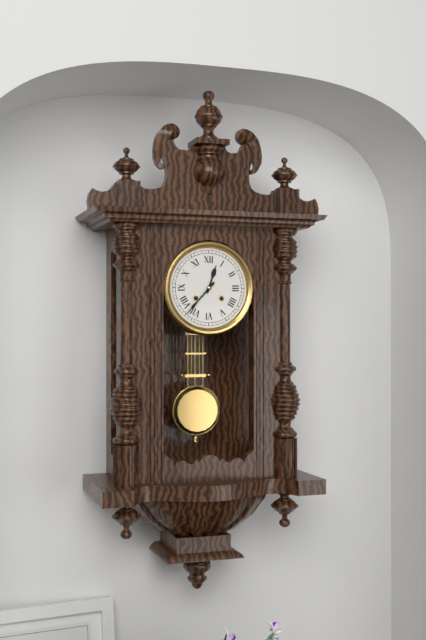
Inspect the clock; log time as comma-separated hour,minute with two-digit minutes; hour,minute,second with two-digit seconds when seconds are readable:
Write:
12,37
